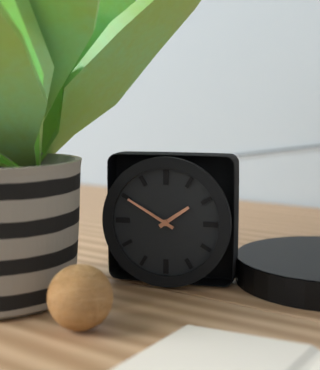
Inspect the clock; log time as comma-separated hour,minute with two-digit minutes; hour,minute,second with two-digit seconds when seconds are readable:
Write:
1,50
